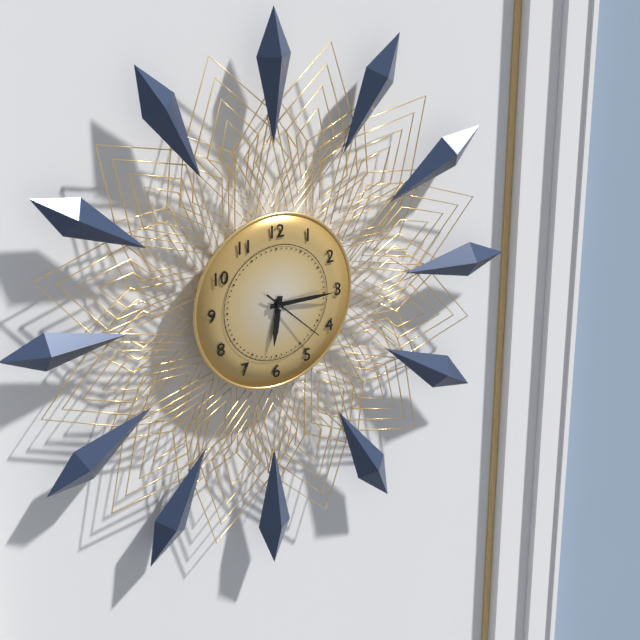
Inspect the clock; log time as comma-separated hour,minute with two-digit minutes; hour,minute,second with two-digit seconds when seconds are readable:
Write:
6,15,22
